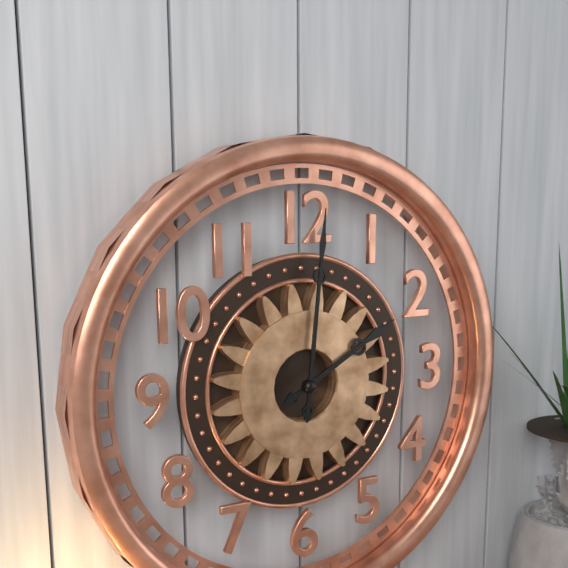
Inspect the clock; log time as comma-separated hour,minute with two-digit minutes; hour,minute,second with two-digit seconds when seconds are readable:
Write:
2,01
